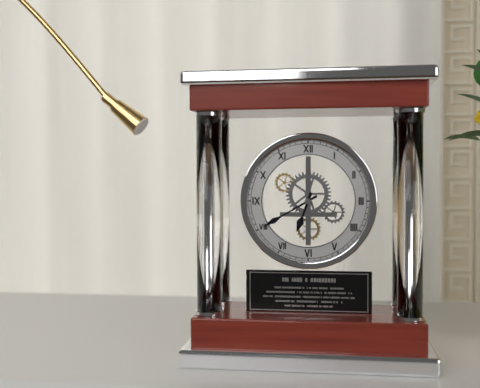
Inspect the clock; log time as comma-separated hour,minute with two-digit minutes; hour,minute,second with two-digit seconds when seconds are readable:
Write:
6,40
